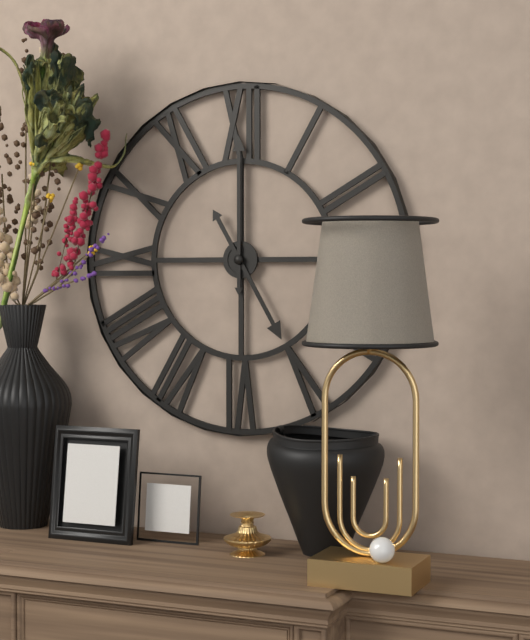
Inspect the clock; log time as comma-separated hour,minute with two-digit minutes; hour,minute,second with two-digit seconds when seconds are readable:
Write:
5,00
